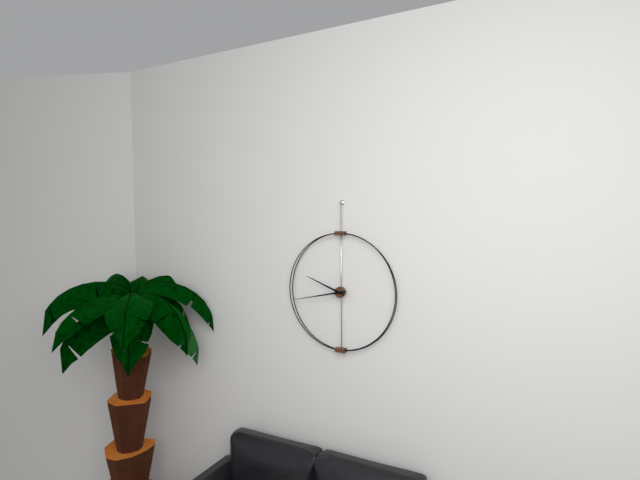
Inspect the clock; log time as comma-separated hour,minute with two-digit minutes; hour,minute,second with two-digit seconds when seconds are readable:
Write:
9,43
